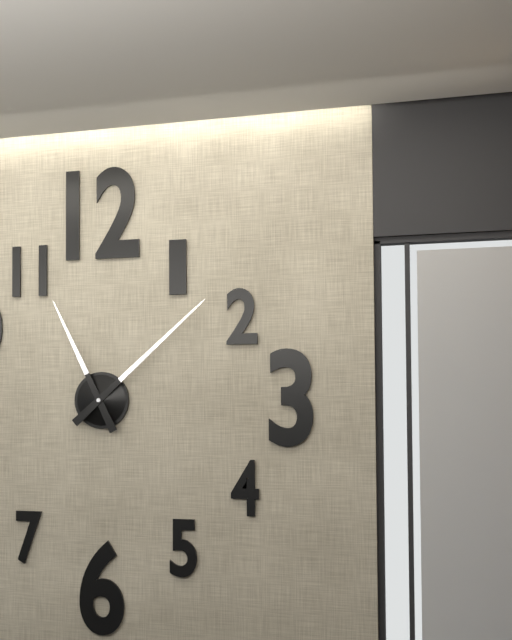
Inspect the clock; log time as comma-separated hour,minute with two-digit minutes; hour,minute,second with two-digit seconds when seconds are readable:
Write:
11,08
